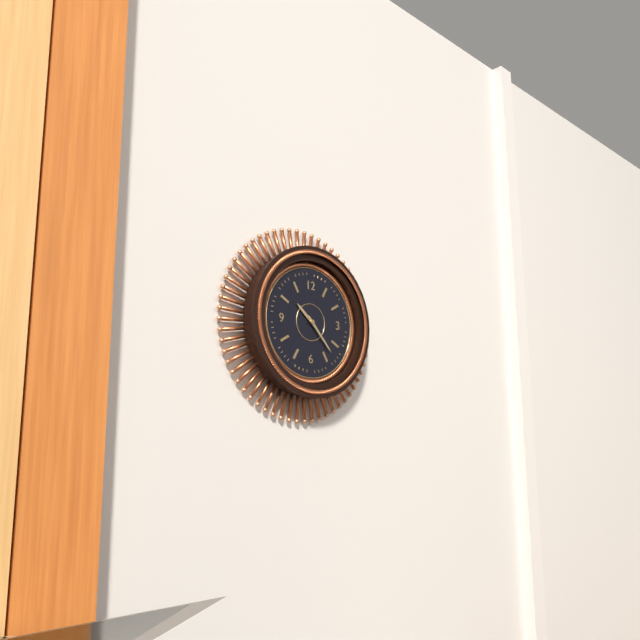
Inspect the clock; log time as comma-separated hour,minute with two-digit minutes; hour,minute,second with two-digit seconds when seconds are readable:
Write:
10,23
